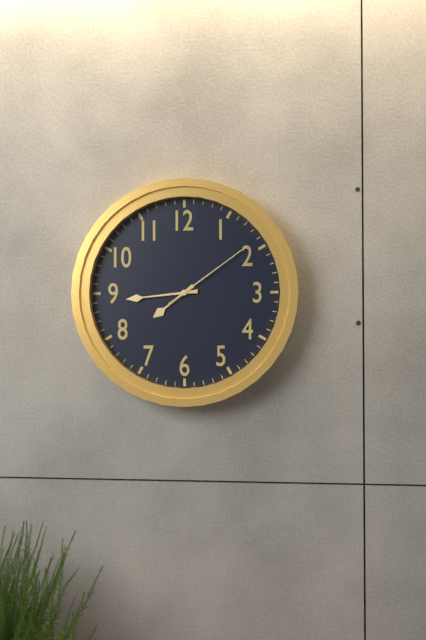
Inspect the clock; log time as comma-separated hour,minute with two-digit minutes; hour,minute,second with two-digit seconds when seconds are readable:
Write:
7,44,09
